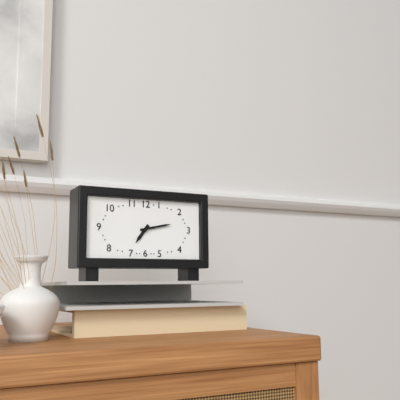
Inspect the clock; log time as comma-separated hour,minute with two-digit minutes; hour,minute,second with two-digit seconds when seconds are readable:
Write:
7,13
